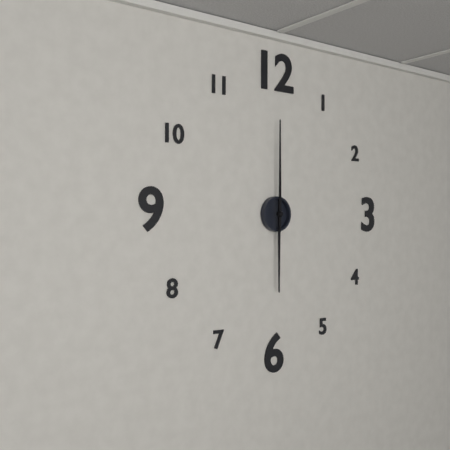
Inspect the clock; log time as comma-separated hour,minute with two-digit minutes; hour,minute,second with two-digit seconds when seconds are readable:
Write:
6,00
